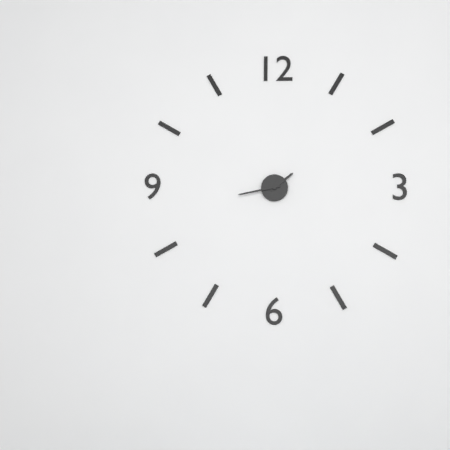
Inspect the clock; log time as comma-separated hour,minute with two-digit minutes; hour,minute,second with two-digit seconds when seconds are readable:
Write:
1,43
